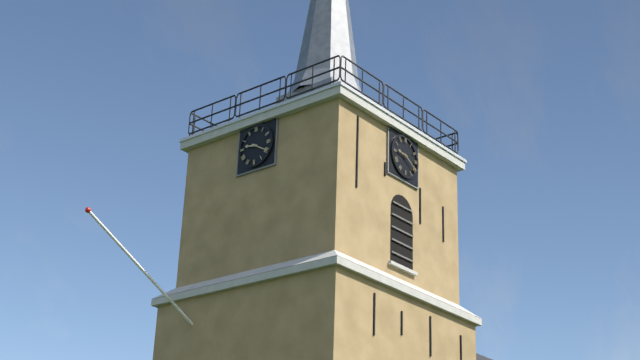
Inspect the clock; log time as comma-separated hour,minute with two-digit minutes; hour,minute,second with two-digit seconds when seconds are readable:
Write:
9,20
